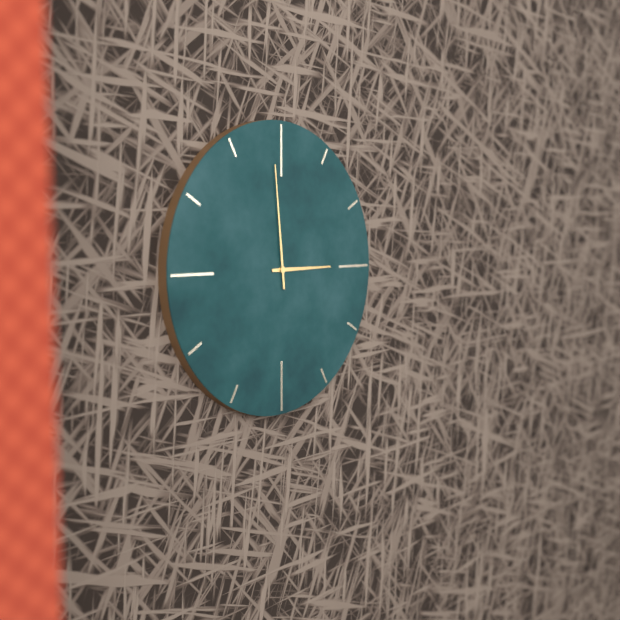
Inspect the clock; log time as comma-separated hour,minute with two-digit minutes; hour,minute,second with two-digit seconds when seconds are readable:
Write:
2,59
